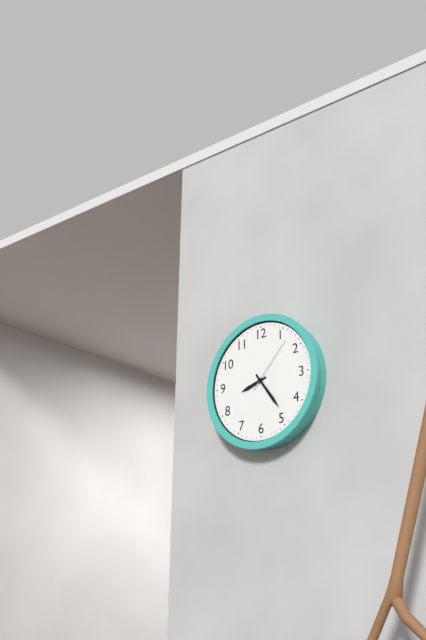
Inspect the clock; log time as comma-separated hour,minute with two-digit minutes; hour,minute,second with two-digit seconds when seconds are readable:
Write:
8,24,07
